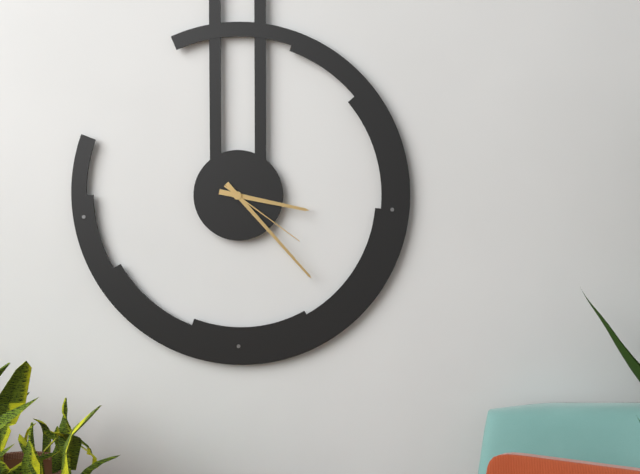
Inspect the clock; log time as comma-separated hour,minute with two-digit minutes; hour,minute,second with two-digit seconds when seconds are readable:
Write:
3,23,21
